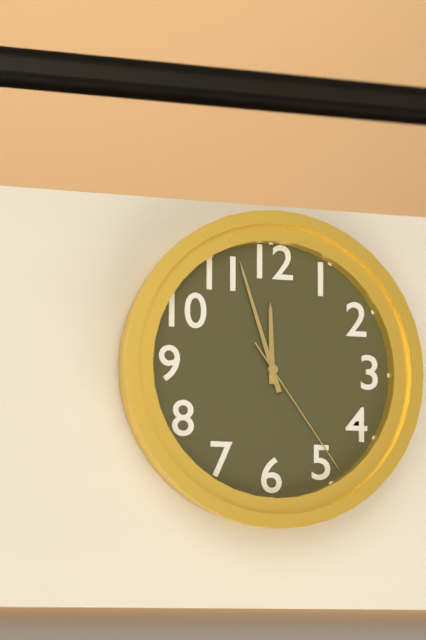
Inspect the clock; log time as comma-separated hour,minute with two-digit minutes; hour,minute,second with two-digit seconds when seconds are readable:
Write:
11,57,24
